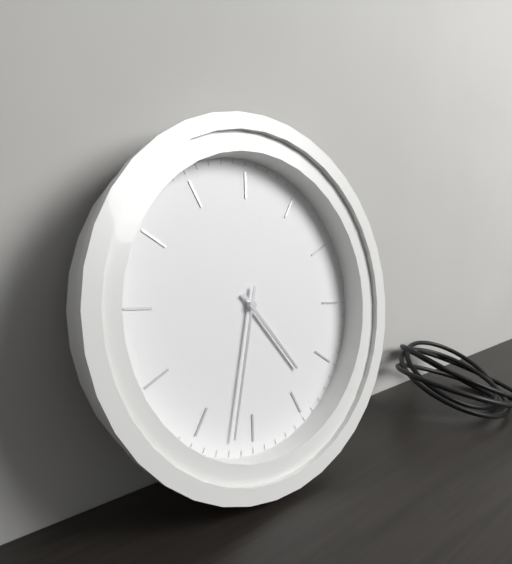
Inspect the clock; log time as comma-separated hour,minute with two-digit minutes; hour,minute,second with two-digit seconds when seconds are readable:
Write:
5,37
